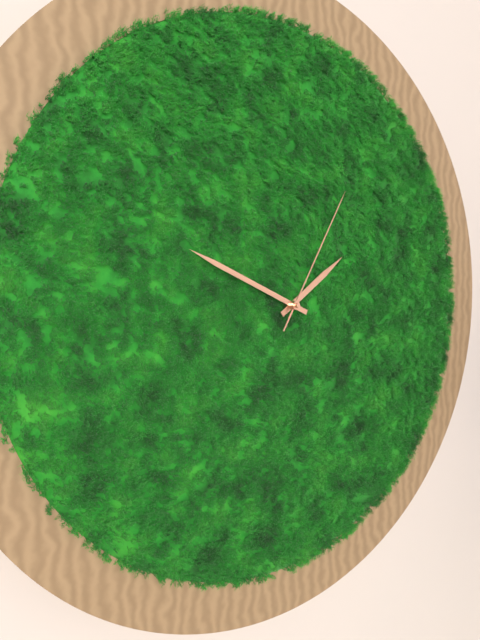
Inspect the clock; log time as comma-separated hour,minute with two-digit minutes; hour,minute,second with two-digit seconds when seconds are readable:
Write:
1,49,05
